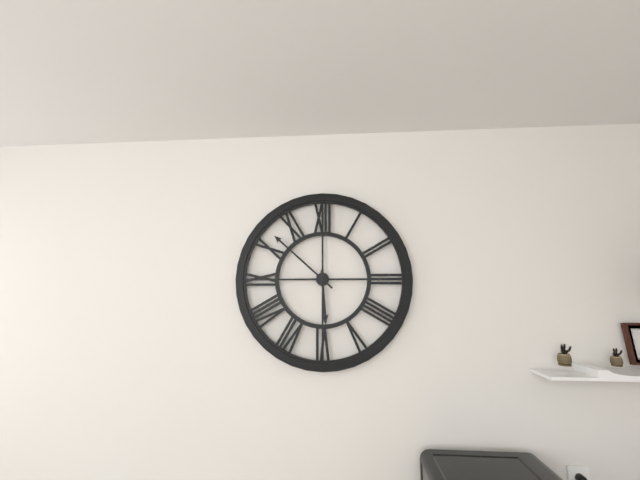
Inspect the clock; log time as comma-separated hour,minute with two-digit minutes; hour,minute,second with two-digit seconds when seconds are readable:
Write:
5,52
